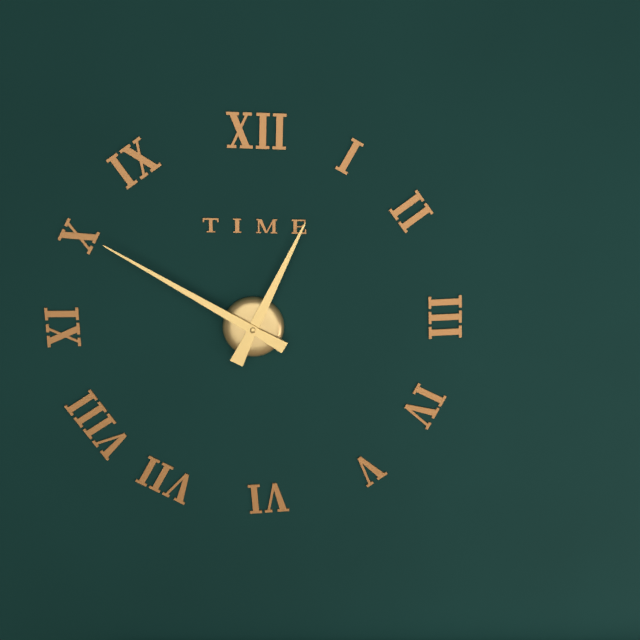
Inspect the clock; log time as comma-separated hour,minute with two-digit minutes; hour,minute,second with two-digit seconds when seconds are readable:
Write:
12,50
